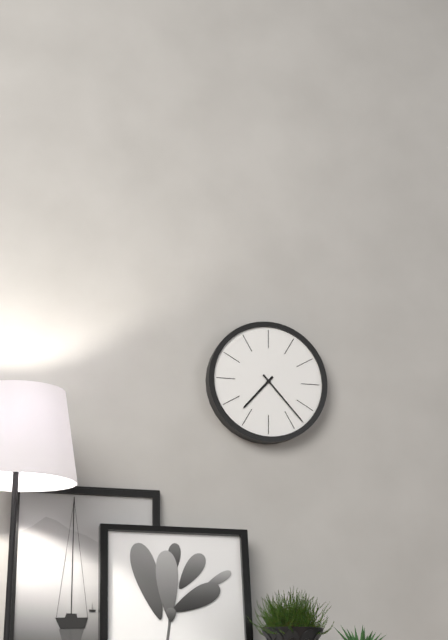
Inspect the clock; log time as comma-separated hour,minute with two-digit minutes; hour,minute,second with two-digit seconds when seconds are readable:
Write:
7,23
